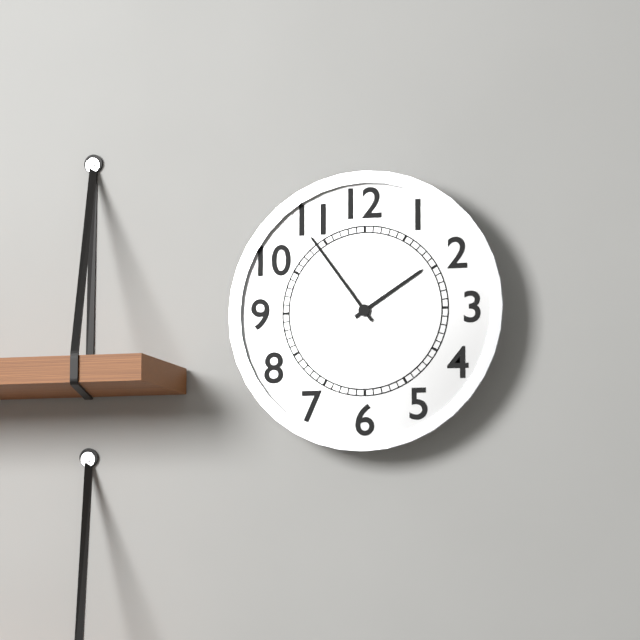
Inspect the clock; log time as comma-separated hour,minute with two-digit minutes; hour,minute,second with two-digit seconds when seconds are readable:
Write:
1,54
